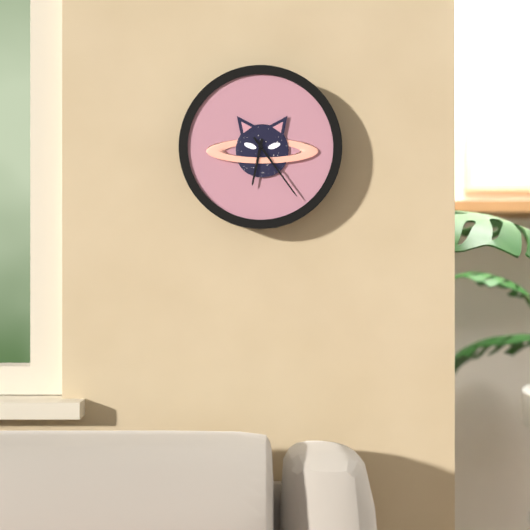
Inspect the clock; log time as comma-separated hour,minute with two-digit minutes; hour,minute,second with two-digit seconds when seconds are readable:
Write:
6,24
